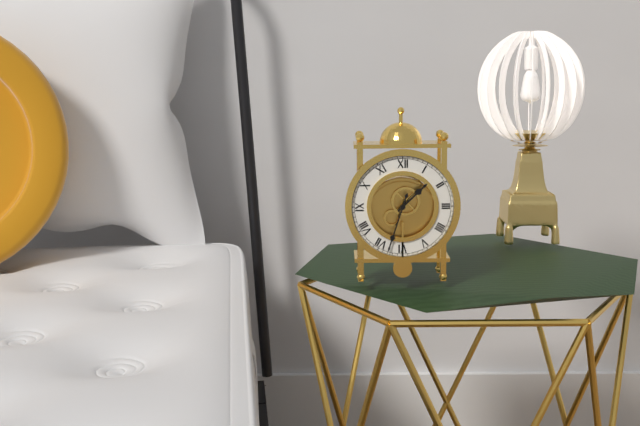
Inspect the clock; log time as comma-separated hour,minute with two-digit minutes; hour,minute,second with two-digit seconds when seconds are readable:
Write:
1,33
